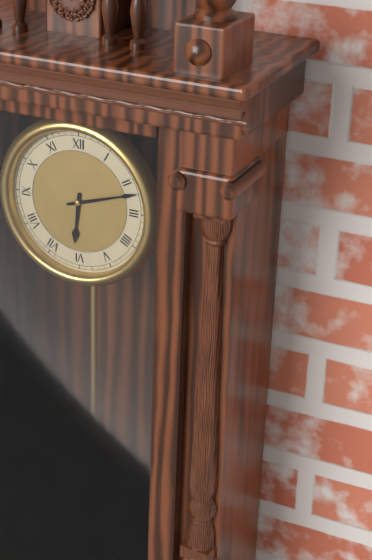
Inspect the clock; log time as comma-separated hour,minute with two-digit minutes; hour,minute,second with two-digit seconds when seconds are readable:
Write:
6,12
